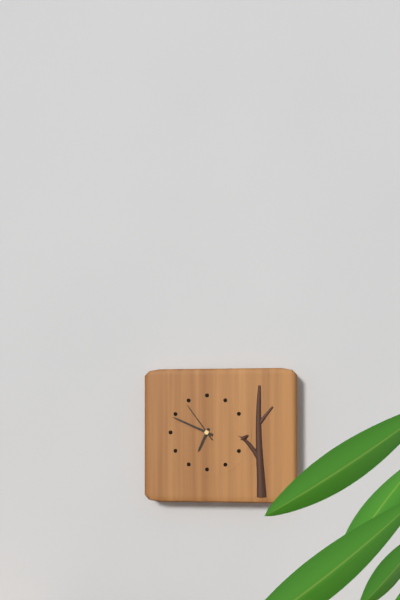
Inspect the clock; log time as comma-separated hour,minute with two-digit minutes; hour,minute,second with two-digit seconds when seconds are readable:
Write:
6,49
